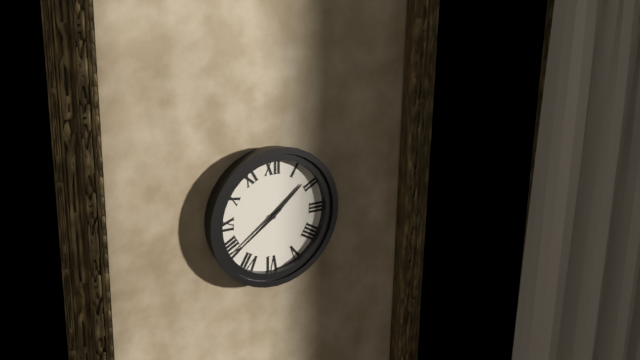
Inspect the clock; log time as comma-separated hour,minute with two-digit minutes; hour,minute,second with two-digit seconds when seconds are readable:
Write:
1,39
